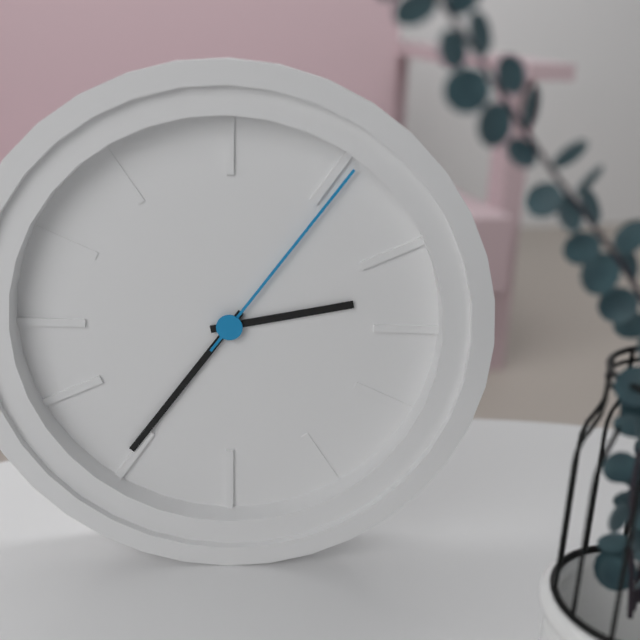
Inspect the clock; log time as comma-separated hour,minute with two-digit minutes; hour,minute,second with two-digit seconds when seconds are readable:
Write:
2,36,06
